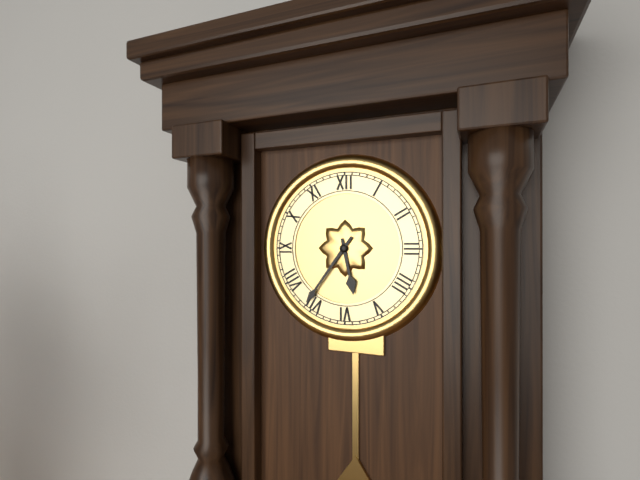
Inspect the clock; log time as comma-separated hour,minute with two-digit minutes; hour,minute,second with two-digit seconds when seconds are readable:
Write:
5,36
